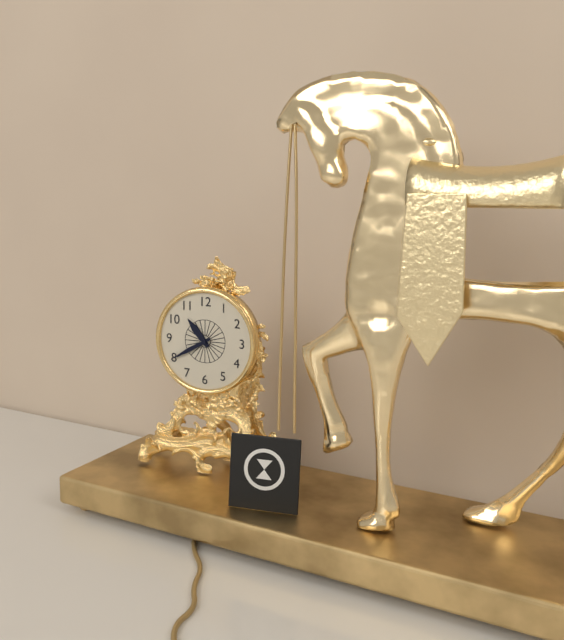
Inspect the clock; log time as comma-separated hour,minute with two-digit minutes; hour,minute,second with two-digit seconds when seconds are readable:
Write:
10,40
